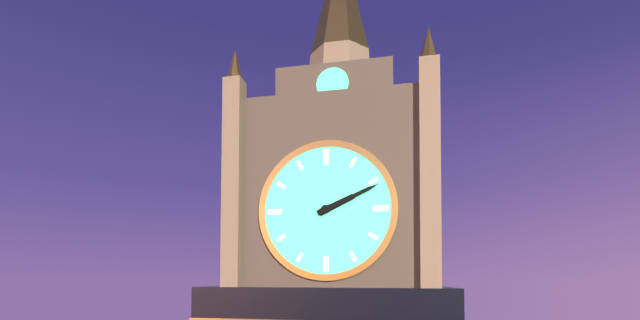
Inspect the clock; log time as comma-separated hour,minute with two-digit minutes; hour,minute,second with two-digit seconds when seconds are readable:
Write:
2,11
